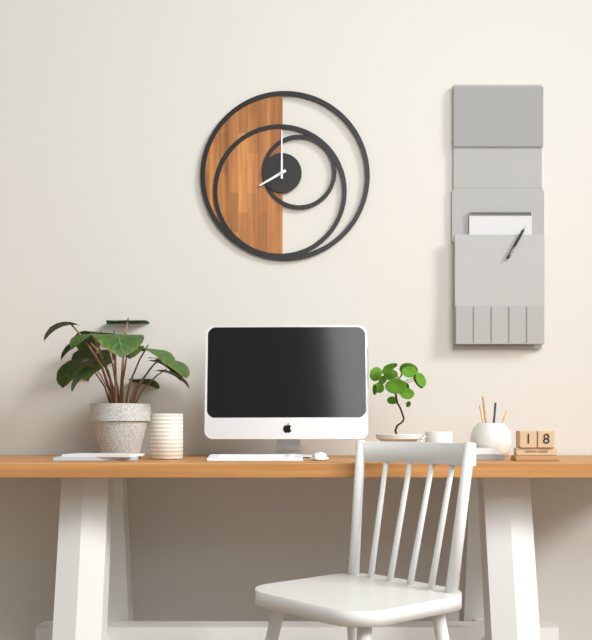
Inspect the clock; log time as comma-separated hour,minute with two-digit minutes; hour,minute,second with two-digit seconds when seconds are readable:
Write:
8,00
